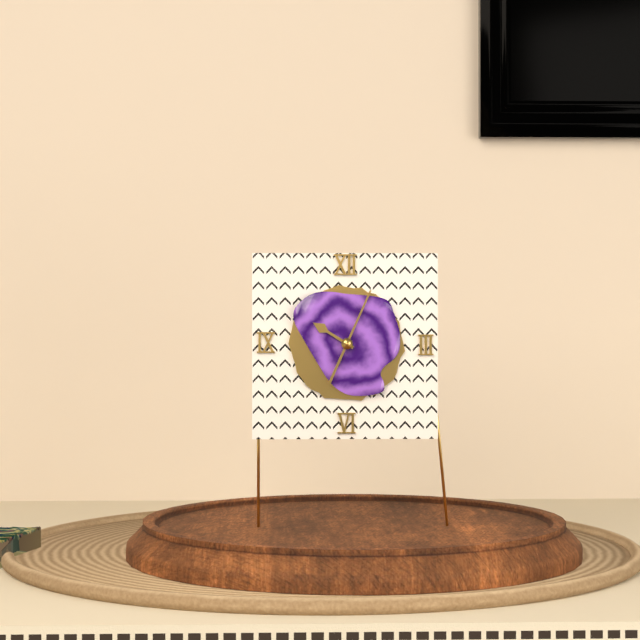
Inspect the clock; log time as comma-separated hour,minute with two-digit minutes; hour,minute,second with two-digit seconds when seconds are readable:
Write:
10,04
